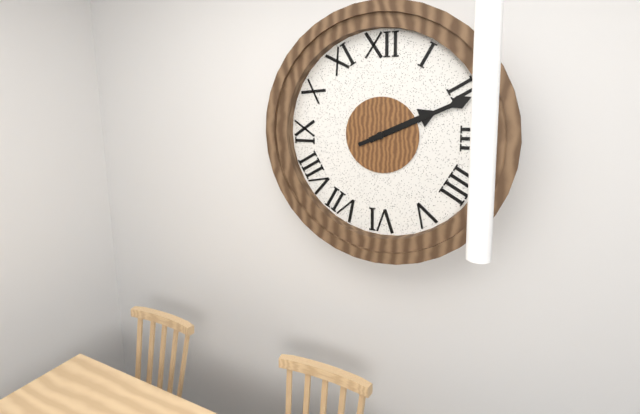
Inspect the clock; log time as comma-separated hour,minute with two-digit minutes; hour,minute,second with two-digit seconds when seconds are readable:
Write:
2,11
